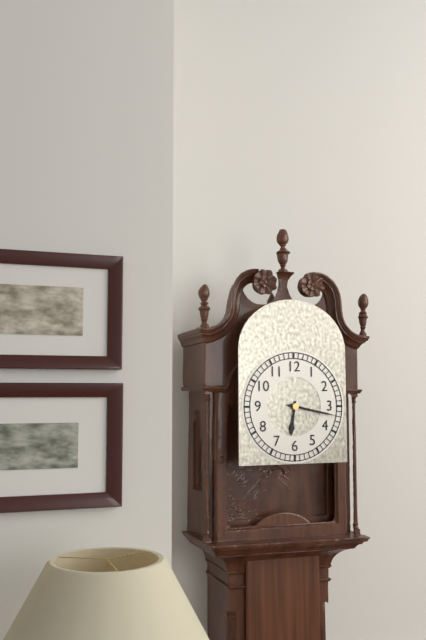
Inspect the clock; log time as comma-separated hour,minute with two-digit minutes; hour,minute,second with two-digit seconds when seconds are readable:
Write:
6,17
